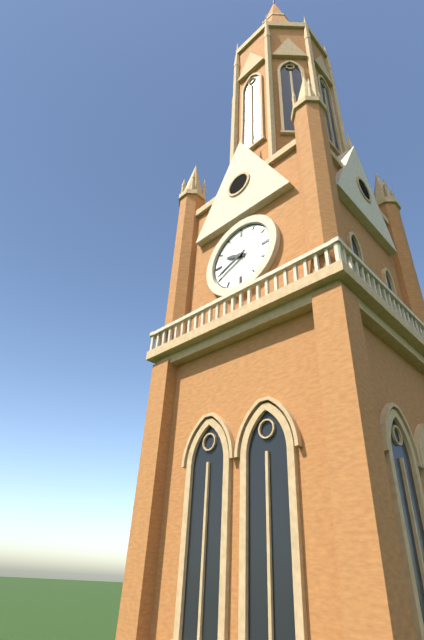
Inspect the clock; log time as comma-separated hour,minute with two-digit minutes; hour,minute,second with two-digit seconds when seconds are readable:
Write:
9,41
